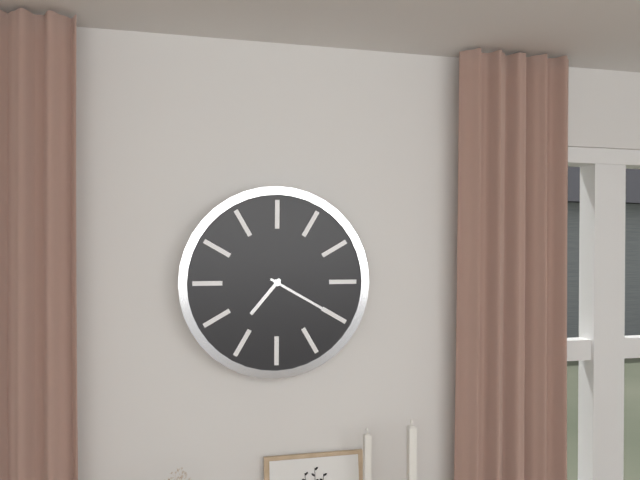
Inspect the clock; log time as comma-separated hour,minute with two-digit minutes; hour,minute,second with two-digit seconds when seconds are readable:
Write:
7,20
